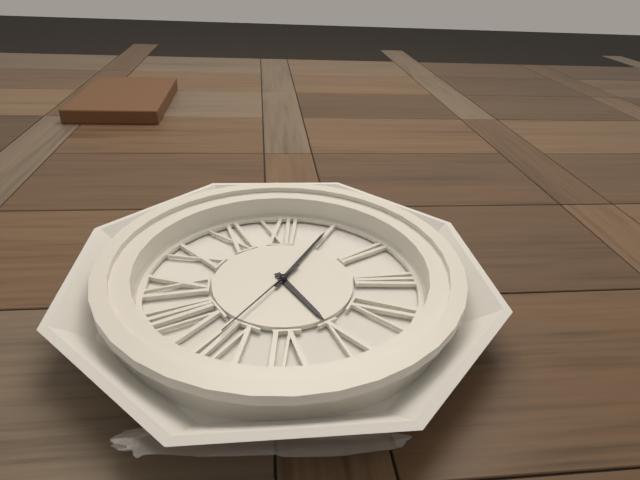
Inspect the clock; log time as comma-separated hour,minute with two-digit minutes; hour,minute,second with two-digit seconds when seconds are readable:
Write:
5,05,36
